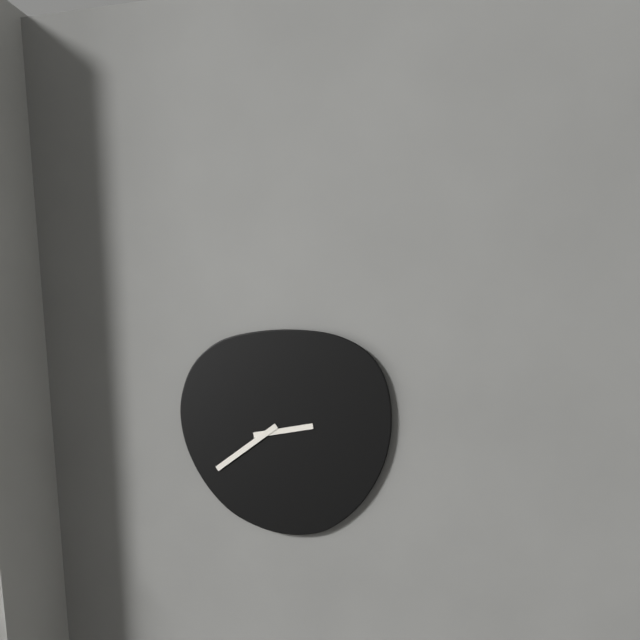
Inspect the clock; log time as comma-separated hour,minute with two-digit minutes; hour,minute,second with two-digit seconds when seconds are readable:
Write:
2,39
